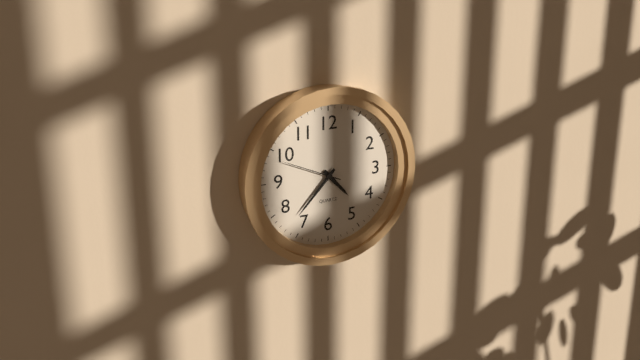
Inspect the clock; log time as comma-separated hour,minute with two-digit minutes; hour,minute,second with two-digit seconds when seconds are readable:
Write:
4,37,49
